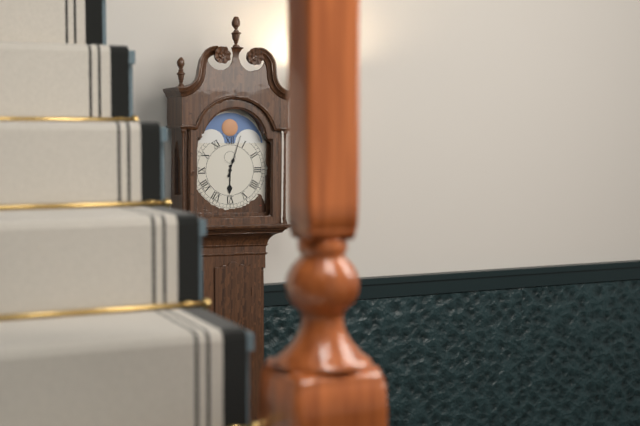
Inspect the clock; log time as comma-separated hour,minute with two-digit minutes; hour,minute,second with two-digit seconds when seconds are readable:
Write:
6,03
